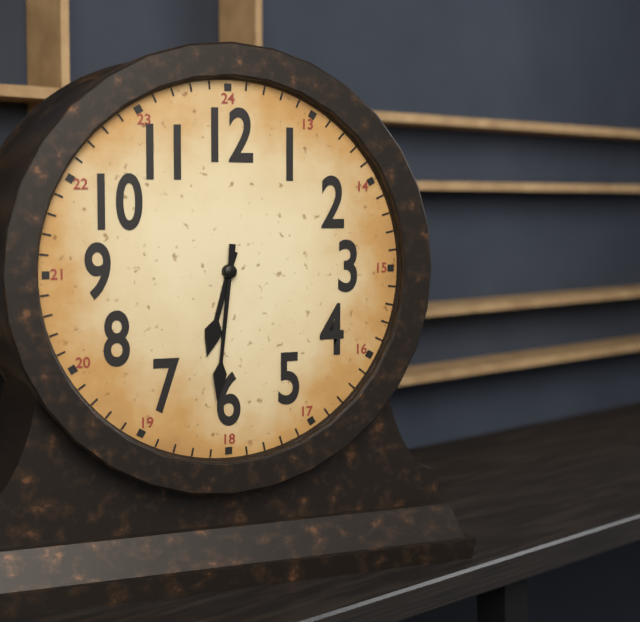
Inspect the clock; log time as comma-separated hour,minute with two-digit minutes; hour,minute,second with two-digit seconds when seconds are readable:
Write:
6,31
